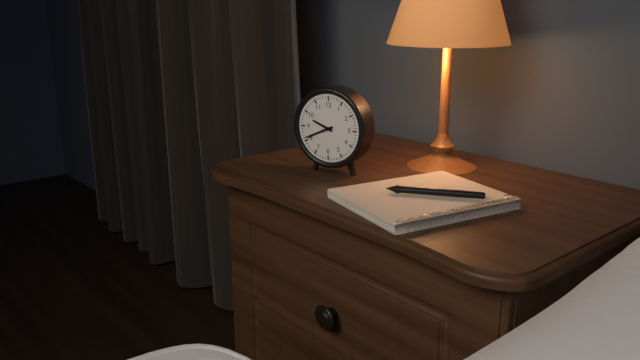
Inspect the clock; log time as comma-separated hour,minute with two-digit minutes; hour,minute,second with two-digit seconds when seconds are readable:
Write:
9,41
